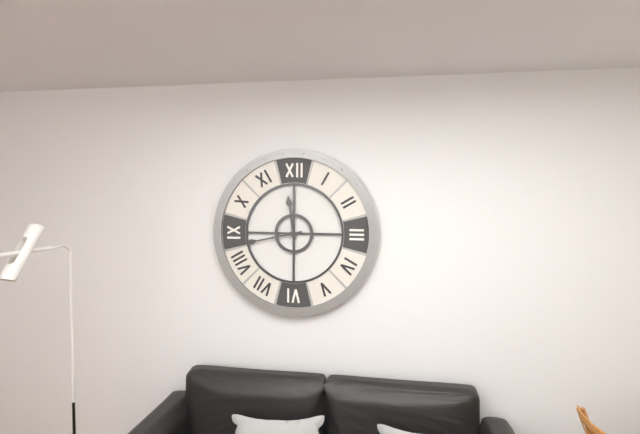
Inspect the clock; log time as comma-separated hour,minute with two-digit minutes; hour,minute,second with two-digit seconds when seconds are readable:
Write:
11,43
